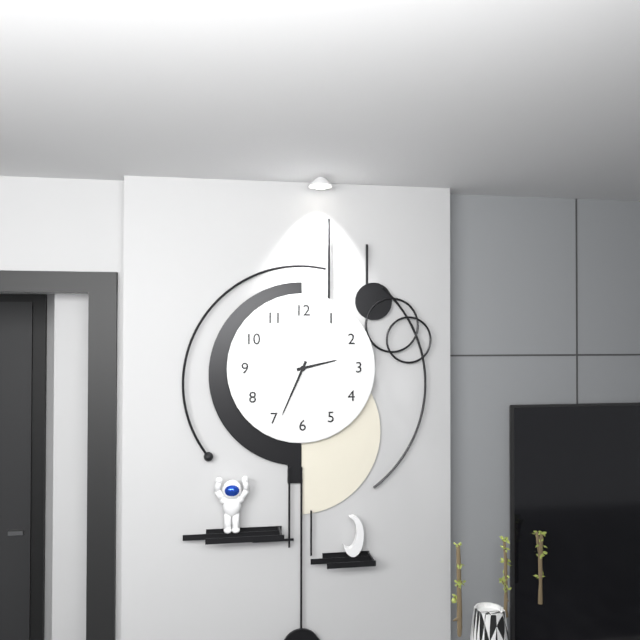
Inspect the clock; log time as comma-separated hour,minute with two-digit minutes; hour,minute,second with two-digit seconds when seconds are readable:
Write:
2,34
